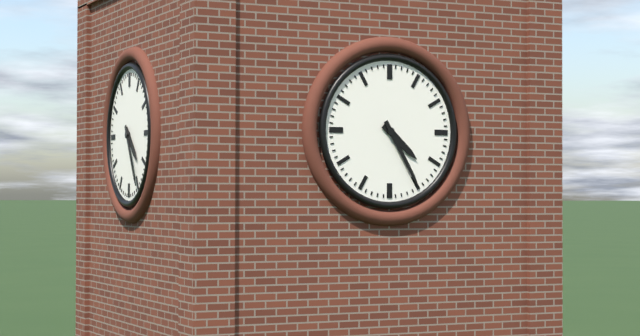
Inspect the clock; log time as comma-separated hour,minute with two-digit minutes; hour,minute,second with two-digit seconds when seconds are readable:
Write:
4,25
